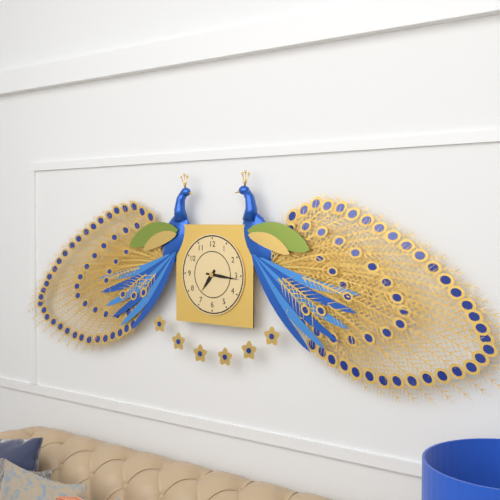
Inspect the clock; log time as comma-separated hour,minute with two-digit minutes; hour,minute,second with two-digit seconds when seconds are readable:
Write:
7,16
